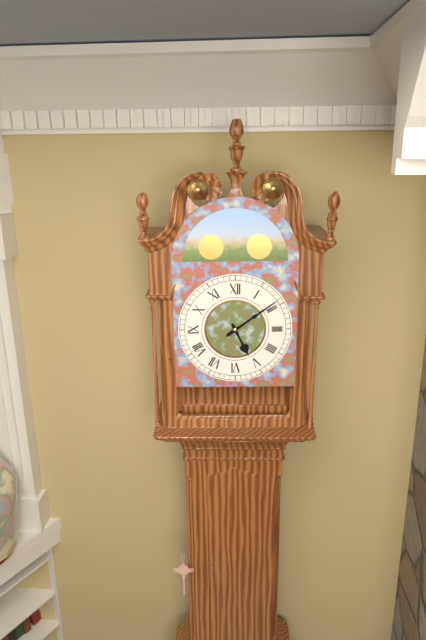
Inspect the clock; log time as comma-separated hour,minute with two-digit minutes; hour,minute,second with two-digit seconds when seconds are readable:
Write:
5,09
